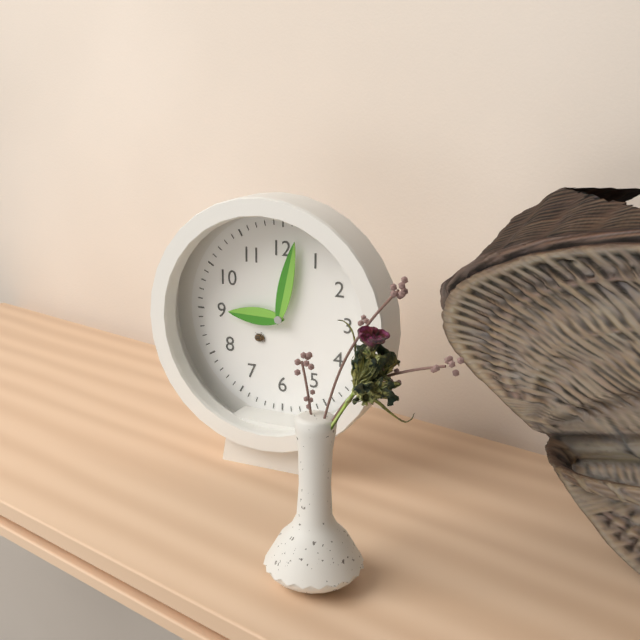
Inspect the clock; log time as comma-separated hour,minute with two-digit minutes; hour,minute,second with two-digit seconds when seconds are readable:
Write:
9,02
